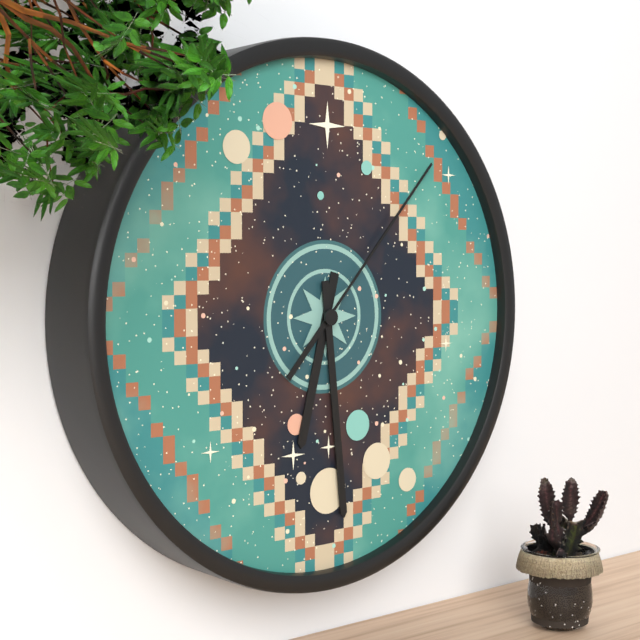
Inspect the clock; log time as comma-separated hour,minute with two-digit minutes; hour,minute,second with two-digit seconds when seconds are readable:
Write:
6,29,07
